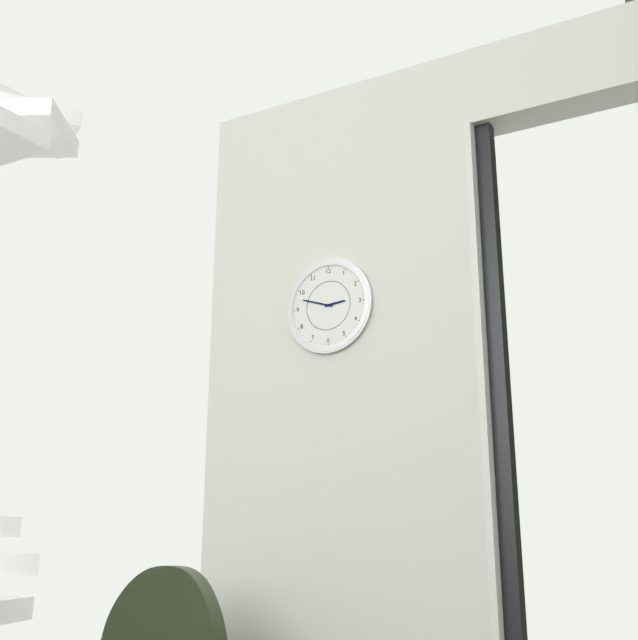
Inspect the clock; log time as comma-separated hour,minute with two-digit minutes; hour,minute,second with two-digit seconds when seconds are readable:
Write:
2,48
